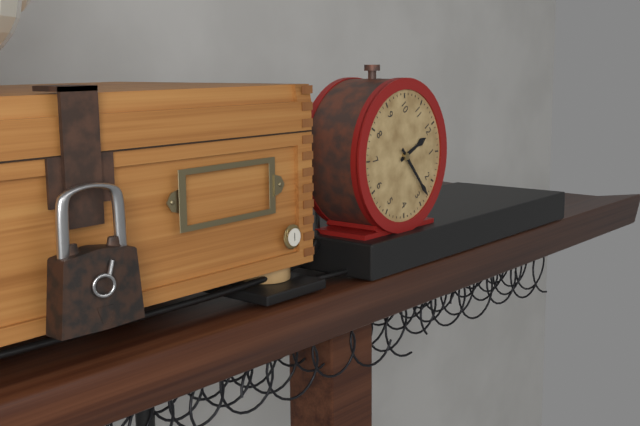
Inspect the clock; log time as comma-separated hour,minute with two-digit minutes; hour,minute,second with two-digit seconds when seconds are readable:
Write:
12,13
